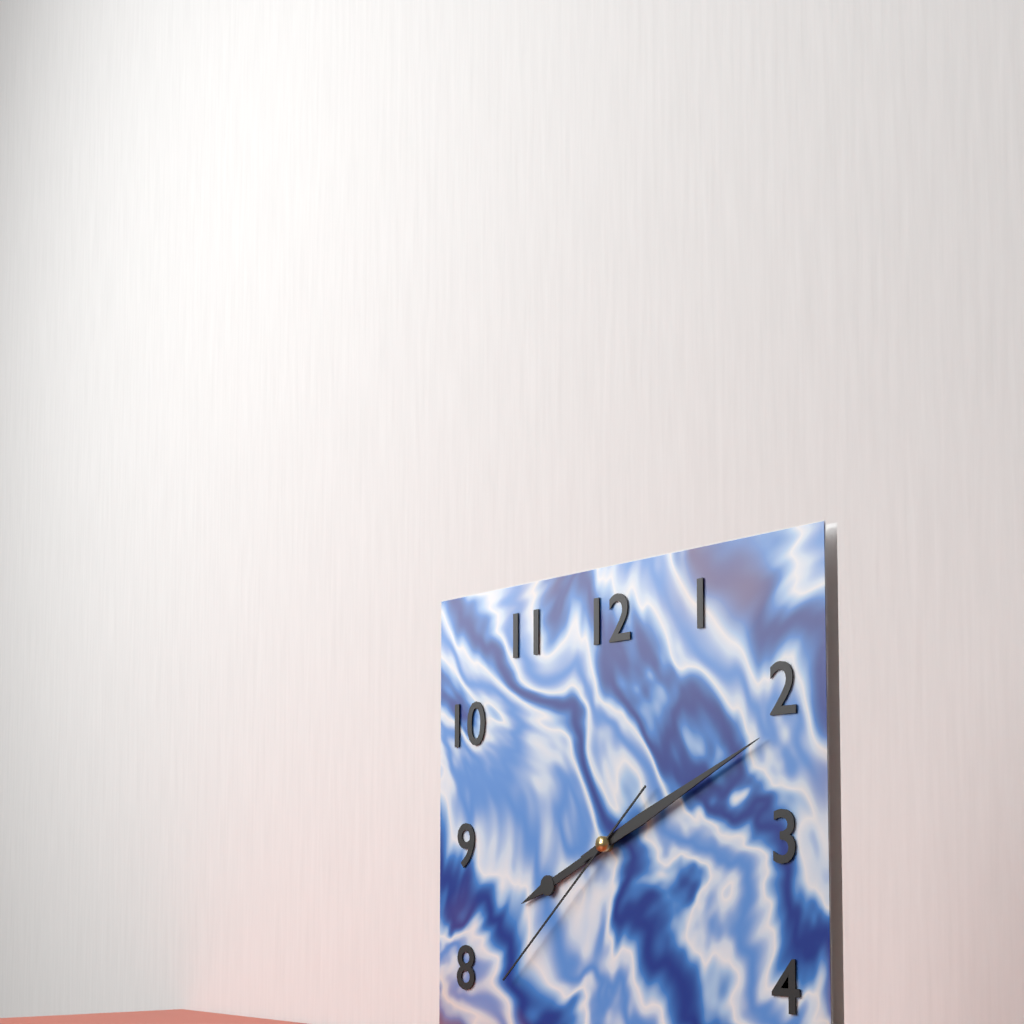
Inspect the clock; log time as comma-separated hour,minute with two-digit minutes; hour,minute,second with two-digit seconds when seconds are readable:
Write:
8,11,38
